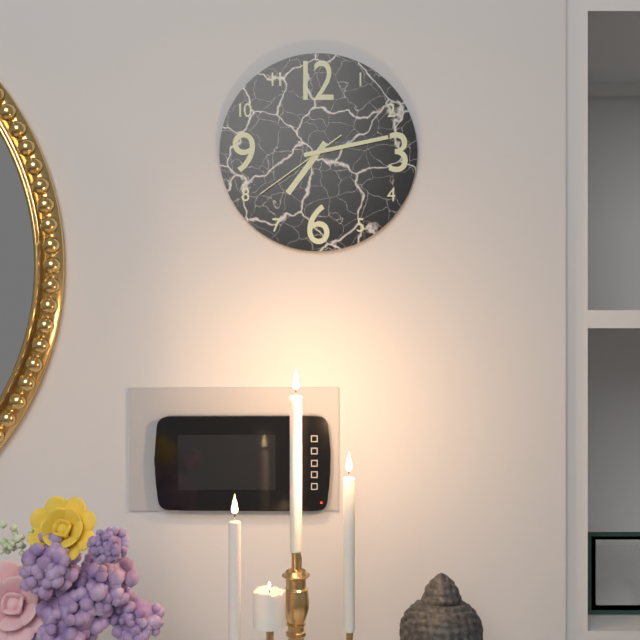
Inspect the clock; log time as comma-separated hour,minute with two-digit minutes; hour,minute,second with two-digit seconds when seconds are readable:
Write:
7,13,39
